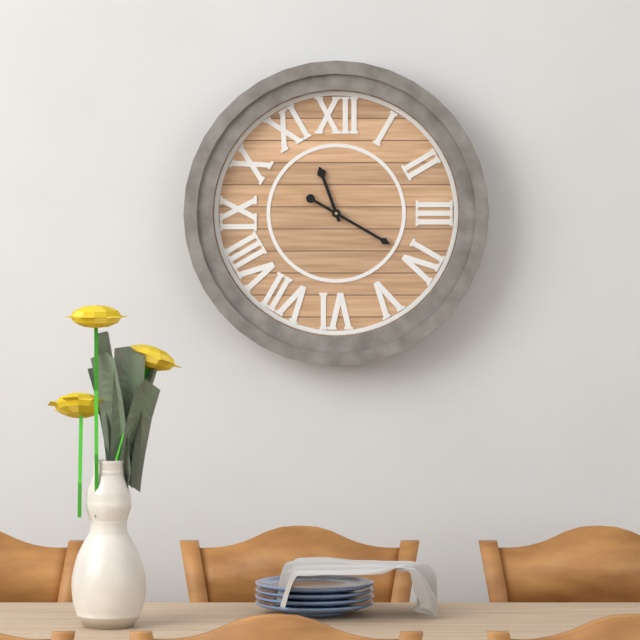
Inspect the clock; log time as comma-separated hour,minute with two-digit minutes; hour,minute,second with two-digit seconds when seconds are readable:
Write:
11,20
